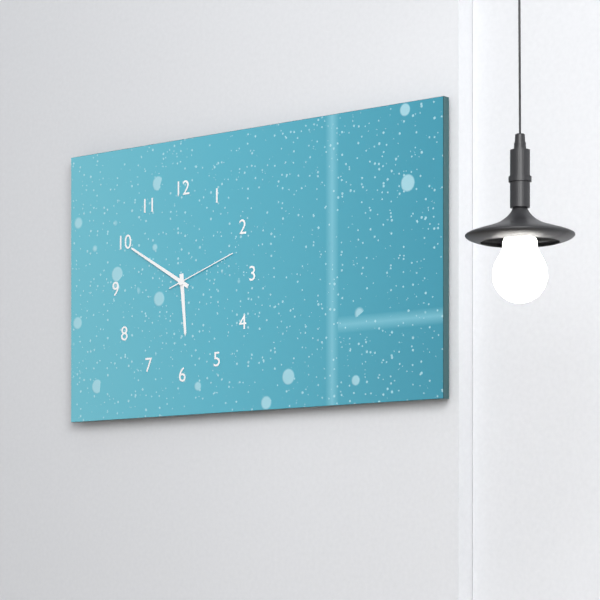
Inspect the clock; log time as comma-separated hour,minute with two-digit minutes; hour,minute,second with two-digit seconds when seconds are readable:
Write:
5,50,12
